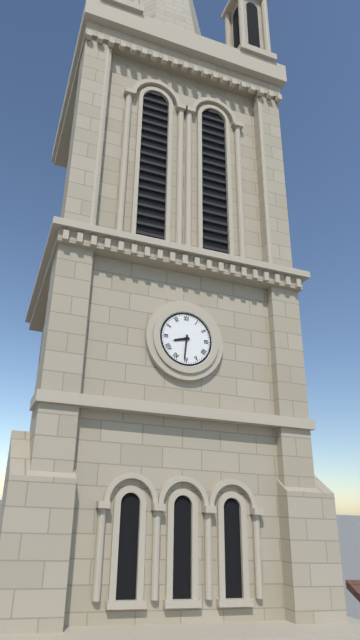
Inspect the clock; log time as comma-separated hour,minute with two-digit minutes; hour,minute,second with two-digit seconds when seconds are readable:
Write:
8,31
